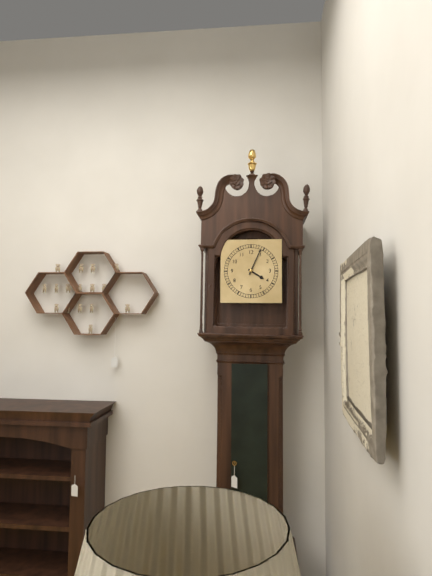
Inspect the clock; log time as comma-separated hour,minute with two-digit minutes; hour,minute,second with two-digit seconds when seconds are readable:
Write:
4,04
